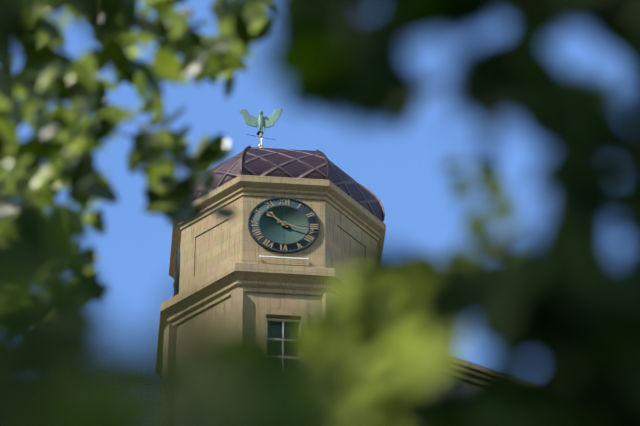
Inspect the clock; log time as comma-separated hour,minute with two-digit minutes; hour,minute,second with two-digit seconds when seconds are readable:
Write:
10,18
